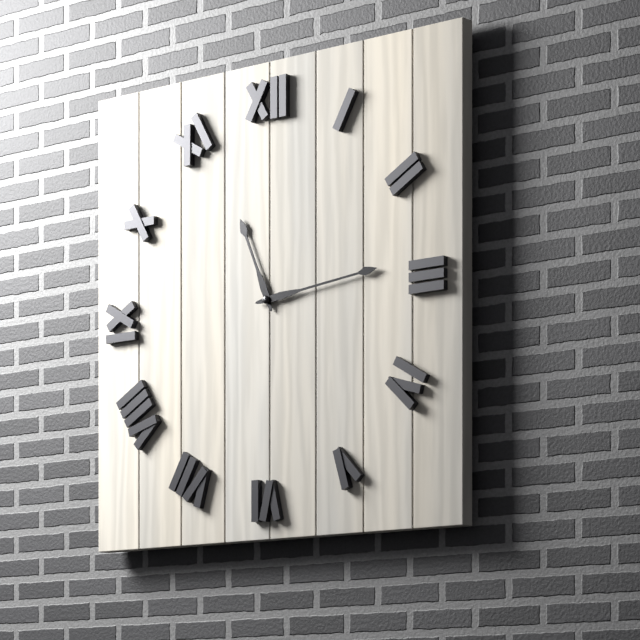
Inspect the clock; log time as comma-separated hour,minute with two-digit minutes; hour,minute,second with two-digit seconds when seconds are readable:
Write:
11,14
